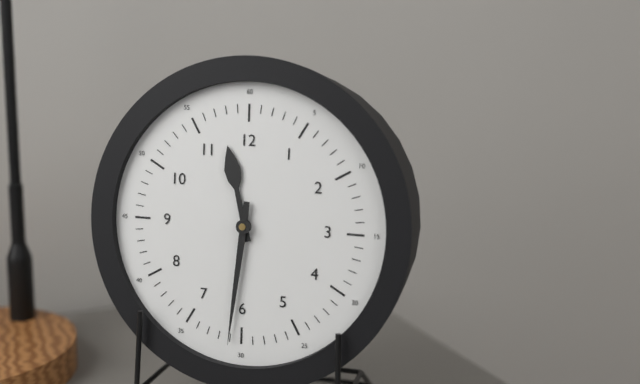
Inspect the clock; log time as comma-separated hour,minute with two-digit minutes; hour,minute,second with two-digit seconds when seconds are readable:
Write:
11,31
